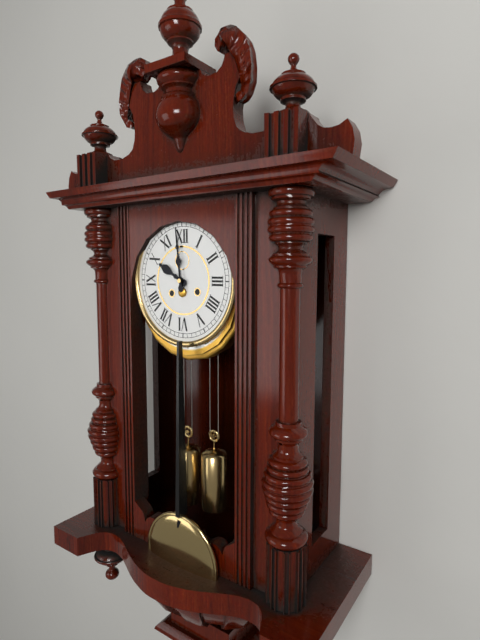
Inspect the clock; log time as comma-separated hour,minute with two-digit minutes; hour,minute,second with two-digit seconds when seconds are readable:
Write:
9,59
